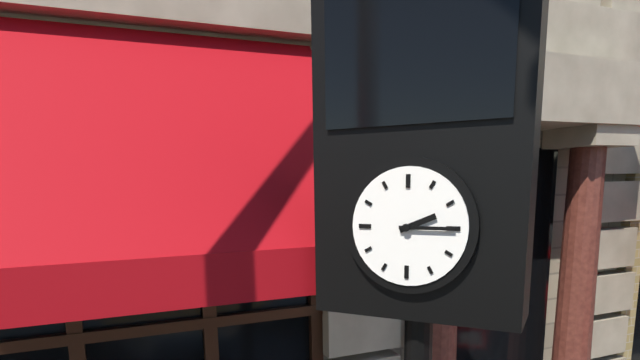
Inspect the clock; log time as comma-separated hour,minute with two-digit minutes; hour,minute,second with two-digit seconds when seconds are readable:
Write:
2,15
